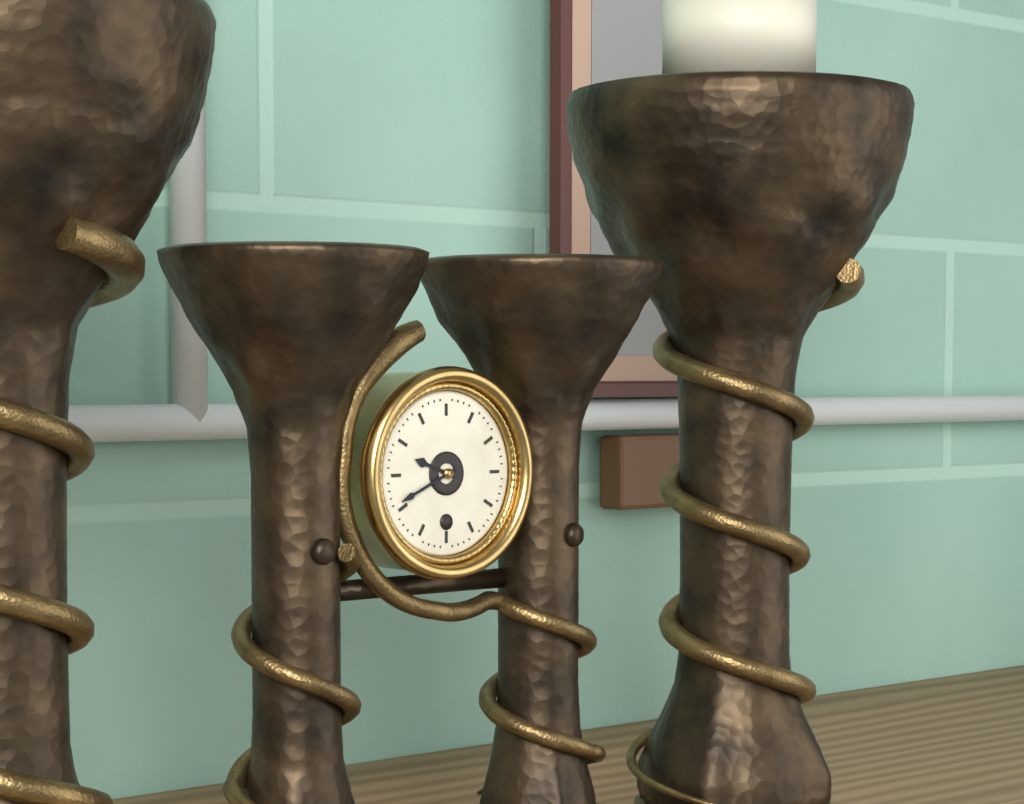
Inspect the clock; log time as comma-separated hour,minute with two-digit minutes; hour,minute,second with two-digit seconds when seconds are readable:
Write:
9,41
